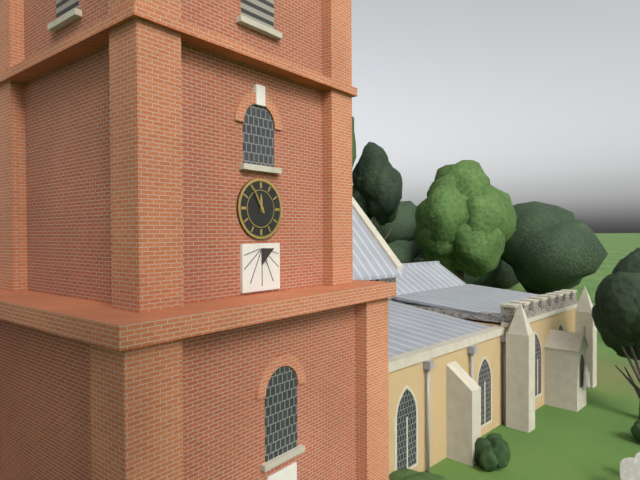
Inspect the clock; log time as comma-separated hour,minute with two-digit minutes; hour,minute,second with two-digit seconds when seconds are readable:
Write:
11,55
